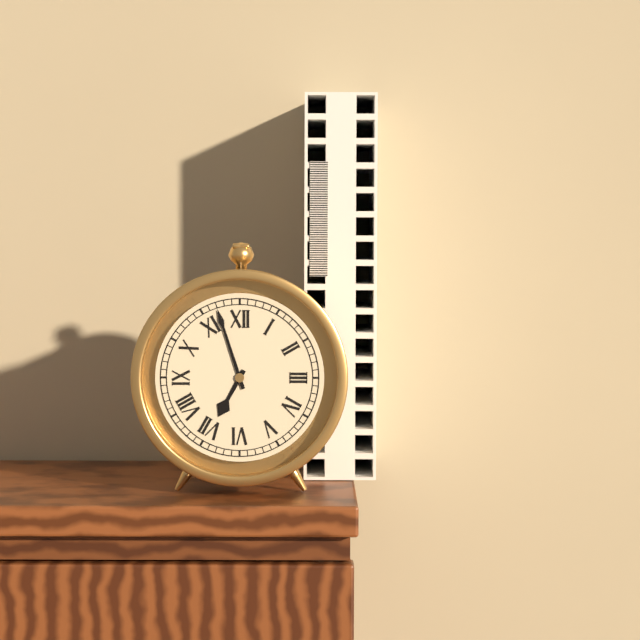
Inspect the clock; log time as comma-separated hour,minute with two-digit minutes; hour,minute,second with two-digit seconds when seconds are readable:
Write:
6,57
